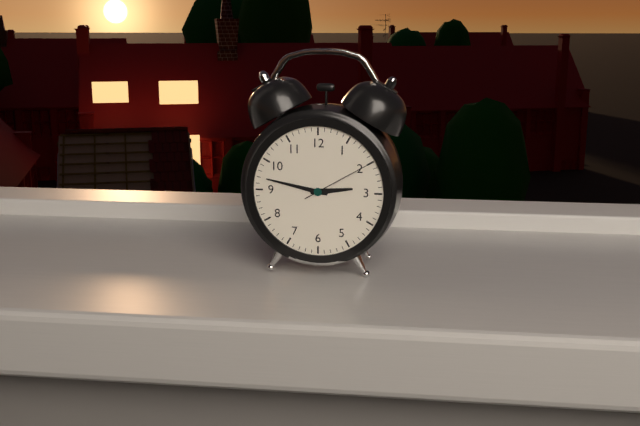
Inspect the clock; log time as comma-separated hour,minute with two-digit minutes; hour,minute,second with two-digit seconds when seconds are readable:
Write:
2,47,10
